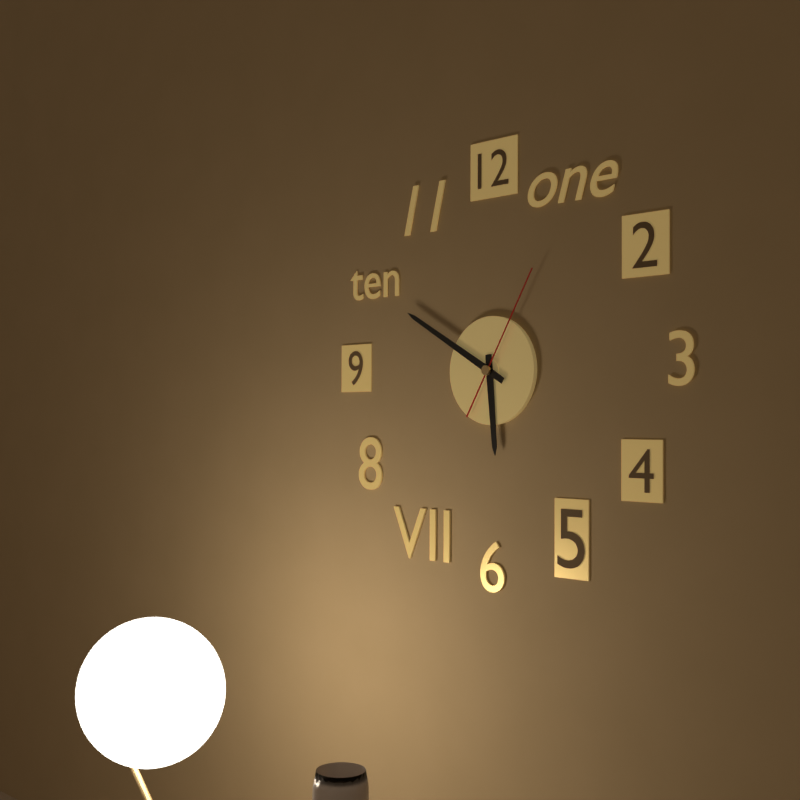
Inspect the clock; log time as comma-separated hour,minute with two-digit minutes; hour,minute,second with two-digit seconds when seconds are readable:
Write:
5,50,05
